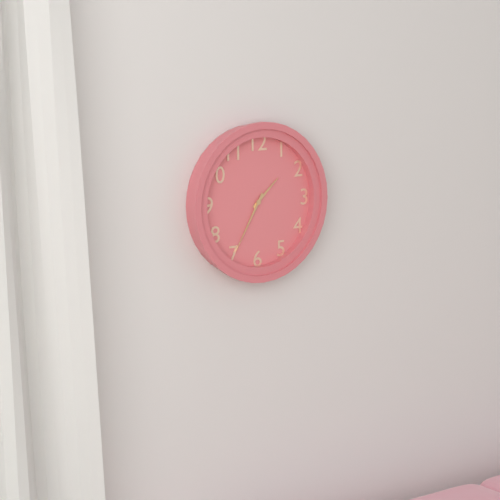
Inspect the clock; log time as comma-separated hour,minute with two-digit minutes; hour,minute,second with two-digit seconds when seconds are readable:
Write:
1,35
